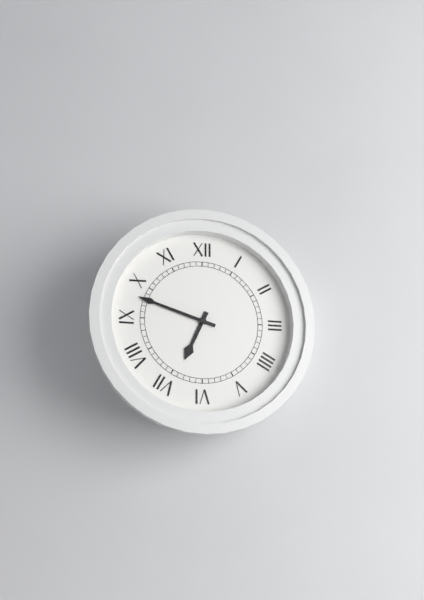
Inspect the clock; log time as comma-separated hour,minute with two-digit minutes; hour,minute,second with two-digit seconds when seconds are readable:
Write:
6,48
